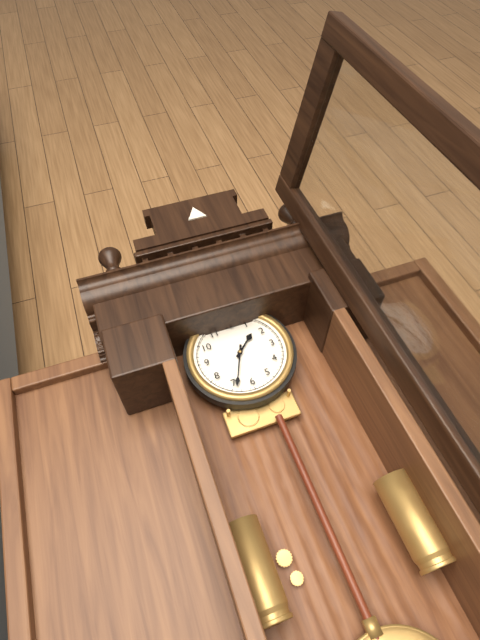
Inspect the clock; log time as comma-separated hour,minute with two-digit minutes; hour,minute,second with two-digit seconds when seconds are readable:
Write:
1,34
